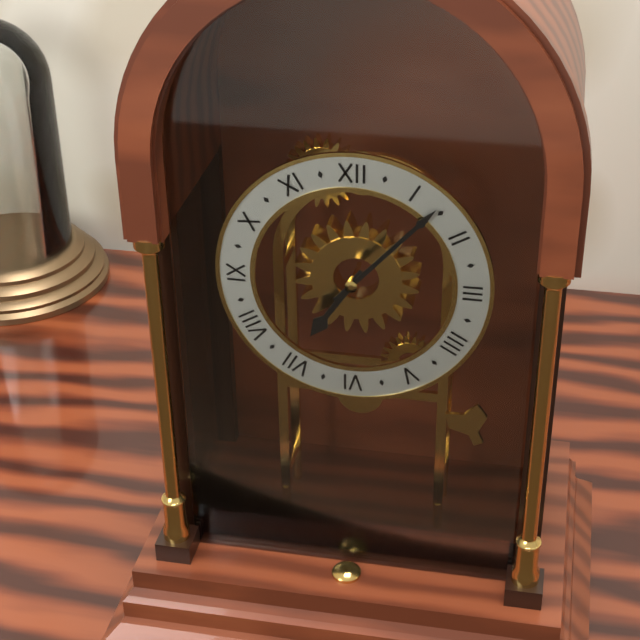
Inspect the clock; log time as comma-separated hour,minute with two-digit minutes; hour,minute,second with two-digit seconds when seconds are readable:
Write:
7,07
